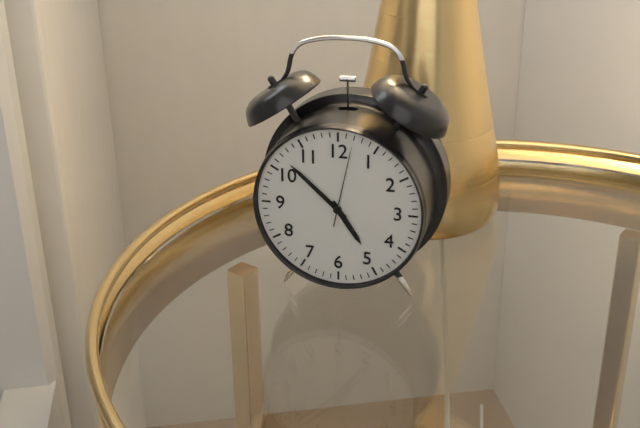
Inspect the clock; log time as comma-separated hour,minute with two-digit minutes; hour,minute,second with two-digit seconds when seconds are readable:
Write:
4,52,02
